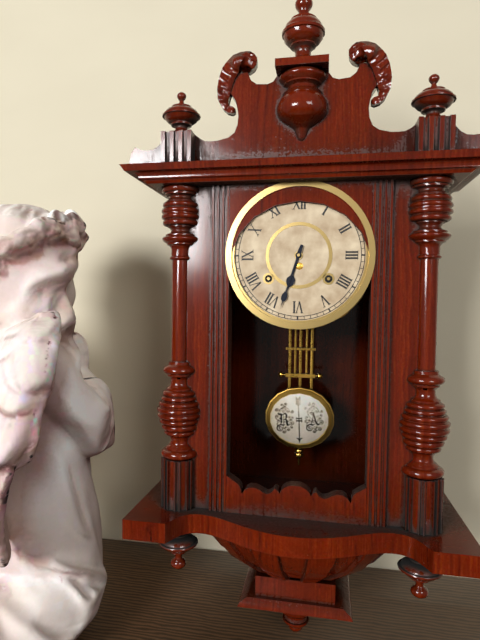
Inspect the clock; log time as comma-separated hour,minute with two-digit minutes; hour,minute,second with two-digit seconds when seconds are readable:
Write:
6,33
